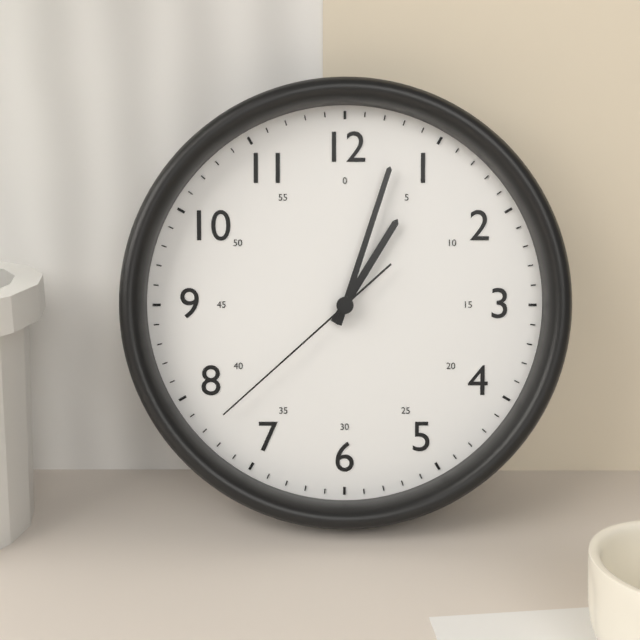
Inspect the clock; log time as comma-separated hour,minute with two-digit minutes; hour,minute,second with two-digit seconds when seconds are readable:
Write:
1,03,38
